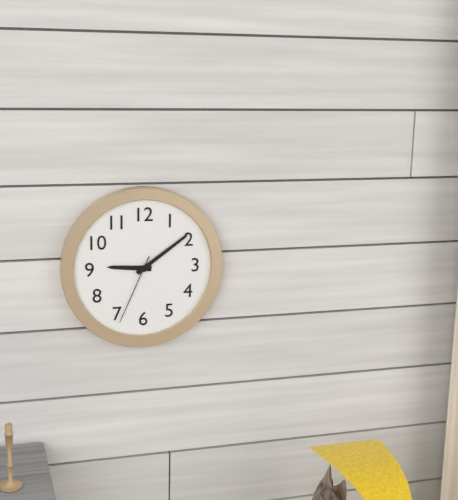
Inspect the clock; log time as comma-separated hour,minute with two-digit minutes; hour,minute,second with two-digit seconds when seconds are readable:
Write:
9,09,34
